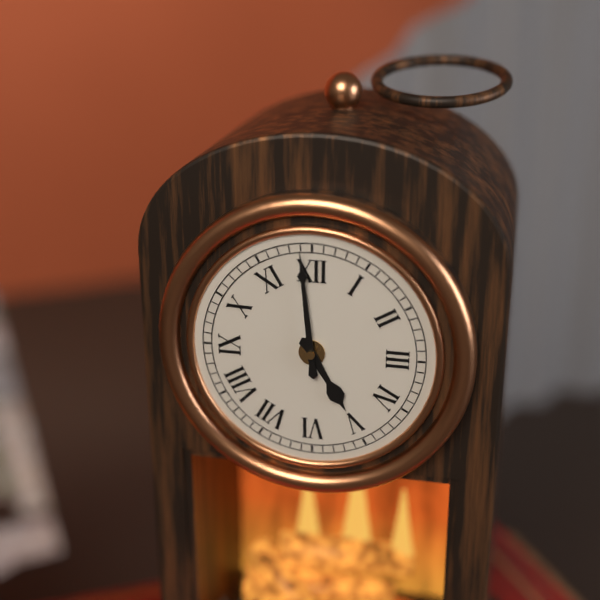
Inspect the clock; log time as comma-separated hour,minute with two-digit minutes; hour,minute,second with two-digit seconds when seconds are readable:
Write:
4,59
